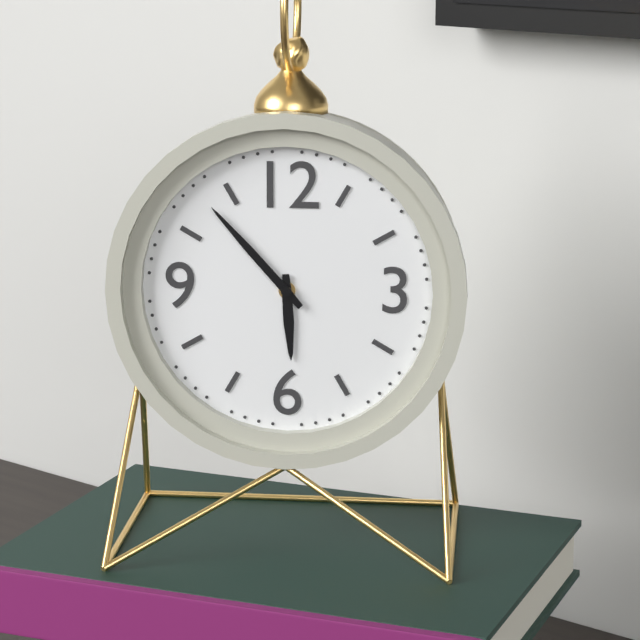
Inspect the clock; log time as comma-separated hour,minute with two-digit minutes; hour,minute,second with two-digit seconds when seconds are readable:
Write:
5,53
